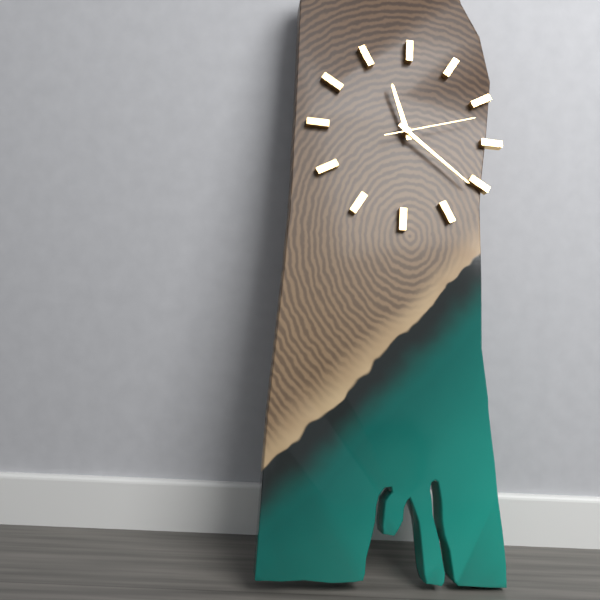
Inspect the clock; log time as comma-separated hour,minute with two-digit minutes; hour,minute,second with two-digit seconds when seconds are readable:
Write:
11,21,12
